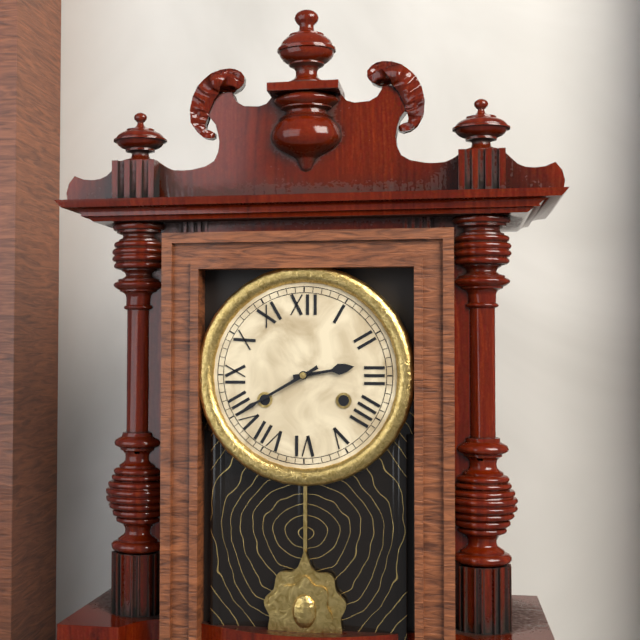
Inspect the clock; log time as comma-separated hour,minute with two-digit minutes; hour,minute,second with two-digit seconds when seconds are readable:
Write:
2,40
